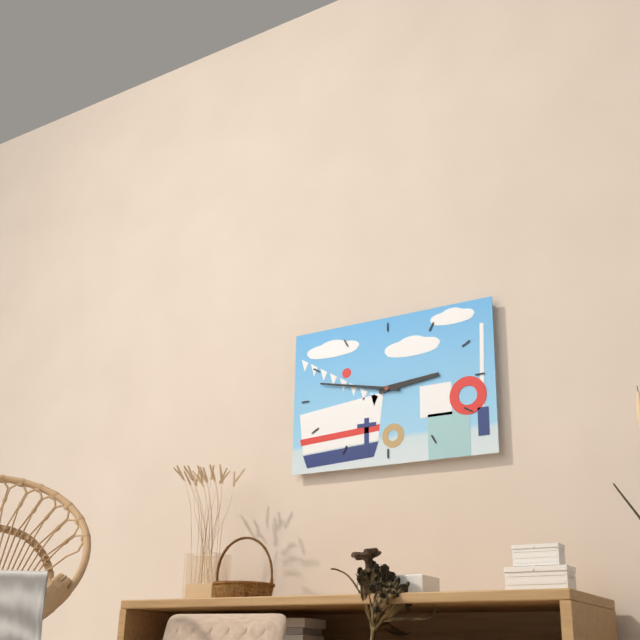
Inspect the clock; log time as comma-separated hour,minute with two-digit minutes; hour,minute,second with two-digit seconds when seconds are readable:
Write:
2,47
